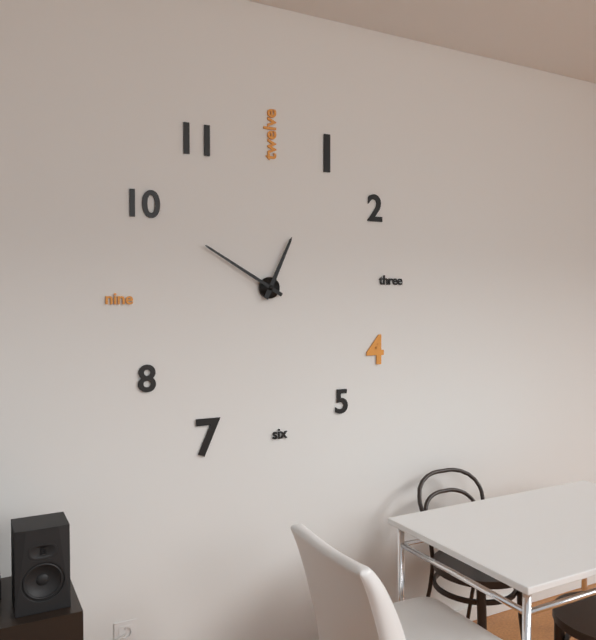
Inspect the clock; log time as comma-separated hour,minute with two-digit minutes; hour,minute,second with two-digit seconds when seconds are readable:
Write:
12,50
